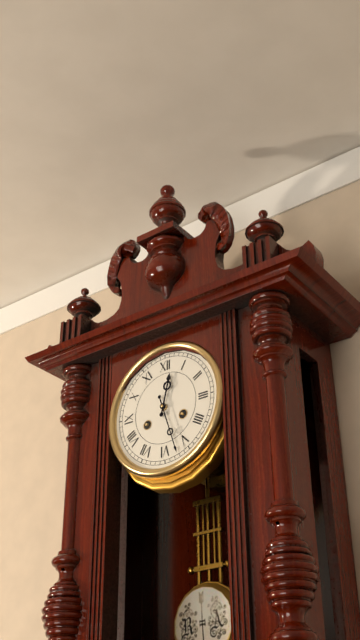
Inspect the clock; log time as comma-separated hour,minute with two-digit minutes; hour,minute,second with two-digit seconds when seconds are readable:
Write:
12,27
